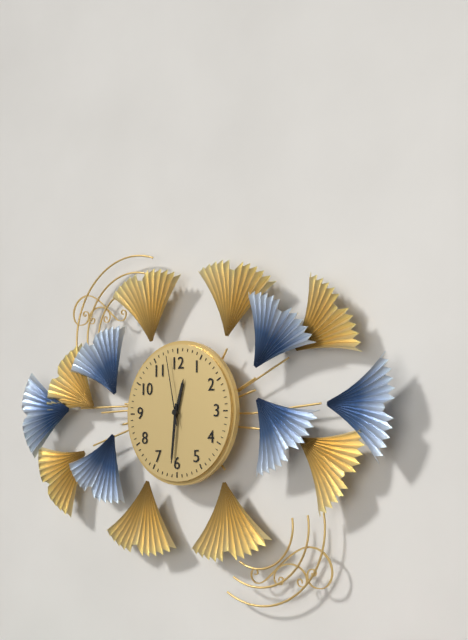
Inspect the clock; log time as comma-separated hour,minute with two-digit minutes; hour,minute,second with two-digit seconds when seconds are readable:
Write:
12,31,58
